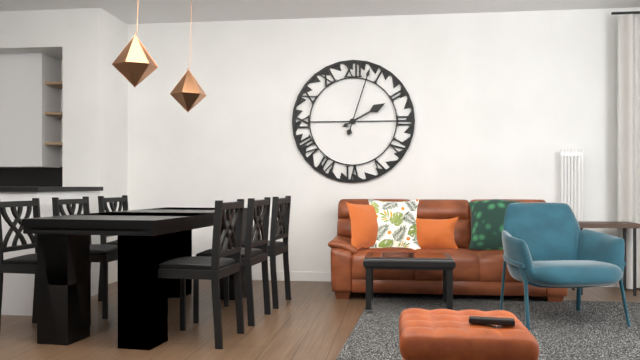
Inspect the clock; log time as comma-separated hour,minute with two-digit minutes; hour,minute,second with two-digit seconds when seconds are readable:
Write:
2,03
